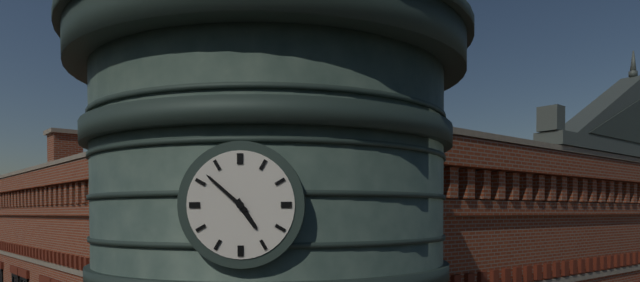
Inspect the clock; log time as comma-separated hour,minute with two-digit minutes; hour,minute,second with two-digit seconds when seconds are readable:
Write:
4,52
